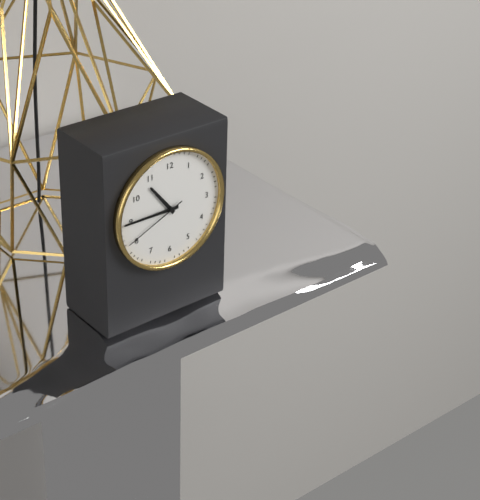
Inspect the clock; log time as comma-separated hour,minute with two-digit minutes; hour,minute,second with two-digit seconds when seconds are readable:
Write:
10,45,41
